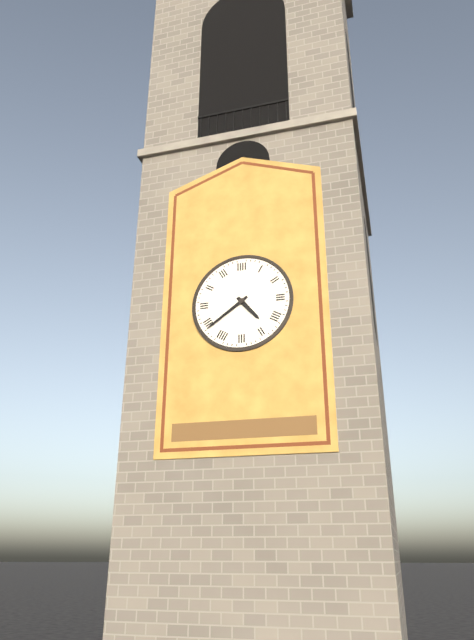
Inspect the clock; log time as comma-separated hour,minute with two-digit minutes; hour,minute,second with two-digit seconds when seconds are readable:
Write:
4,39
